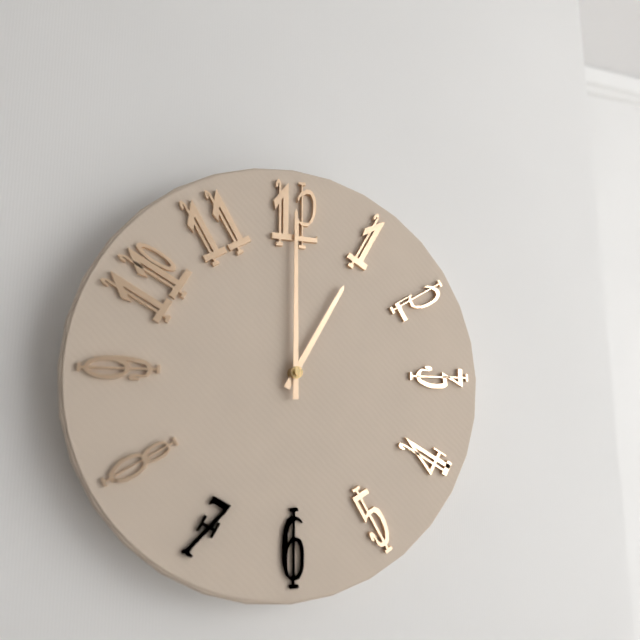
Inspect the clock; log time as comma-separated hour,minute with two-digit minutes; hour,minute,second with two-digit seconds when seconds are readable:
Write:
1,00
